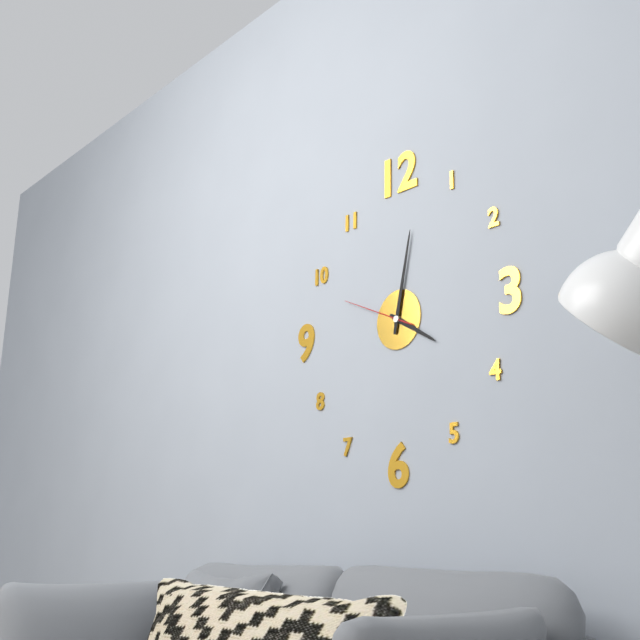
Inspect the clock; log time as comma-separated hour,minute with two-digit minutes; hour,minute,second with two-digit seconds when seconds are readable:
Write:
4,02,49
